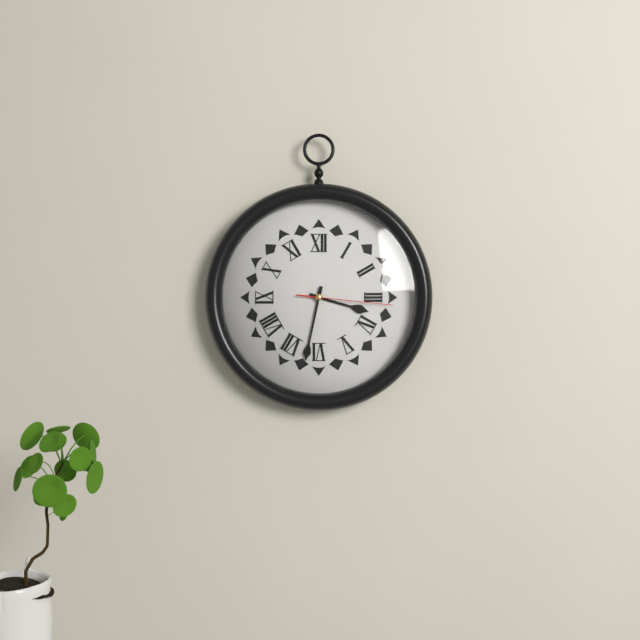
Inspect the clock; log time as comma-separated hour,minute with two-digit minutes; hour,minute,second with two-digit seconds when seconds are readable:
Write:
3,32,16
